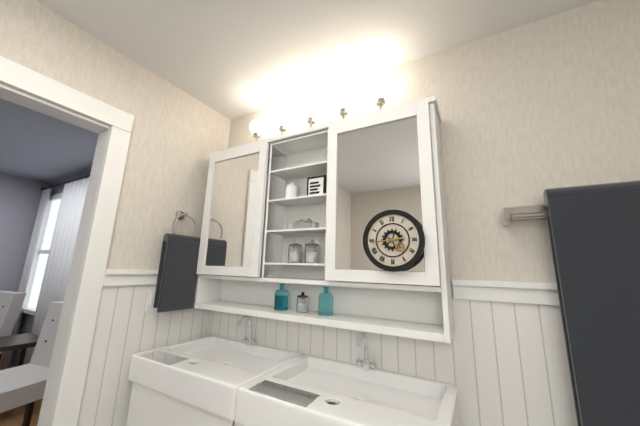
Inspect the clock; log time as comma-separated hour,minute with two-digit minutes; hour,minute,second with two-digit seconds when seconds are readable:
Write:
2,44
